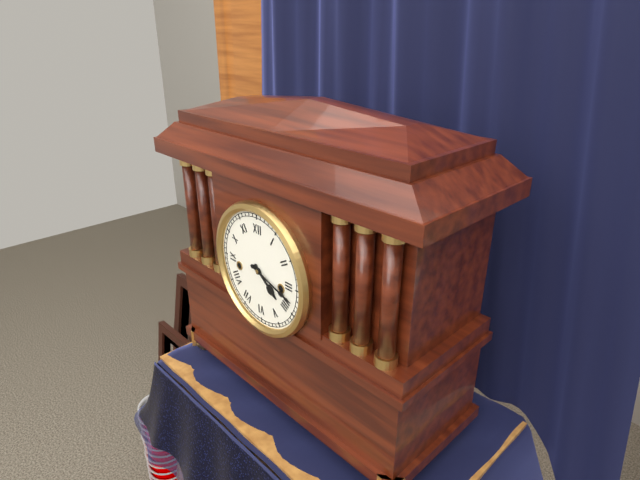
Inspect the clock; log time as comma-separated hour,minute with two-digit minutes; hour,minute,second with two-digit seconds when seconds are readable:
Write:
4,18
